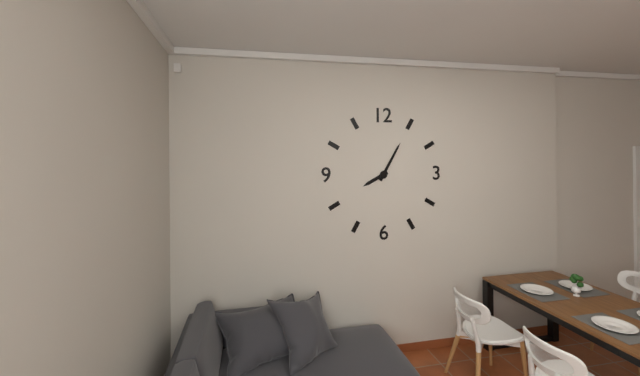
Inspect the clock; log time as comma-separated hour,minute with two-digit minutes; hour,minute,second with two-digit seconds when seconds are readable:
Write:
8,05
